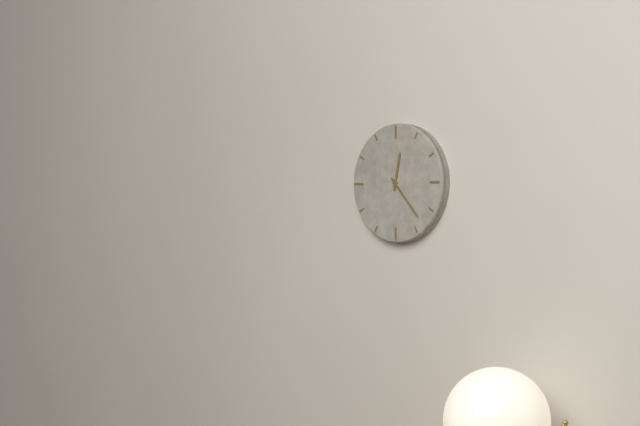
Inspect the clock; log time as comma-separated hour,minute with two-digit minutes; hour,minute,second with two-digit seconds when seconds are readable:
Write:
12,23
